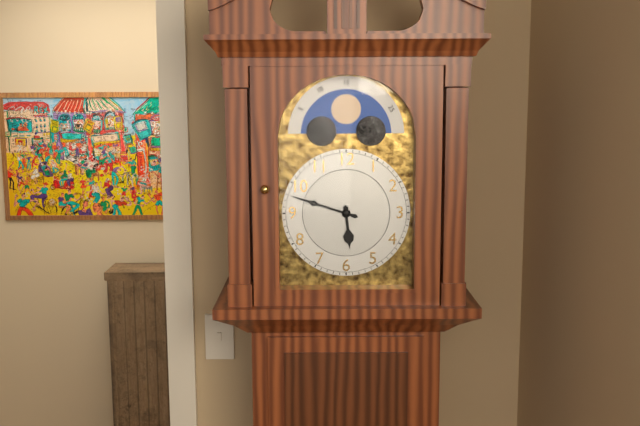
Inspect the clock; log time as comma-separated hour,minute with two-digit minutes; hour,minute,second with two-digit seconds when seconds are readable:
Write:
5,48
